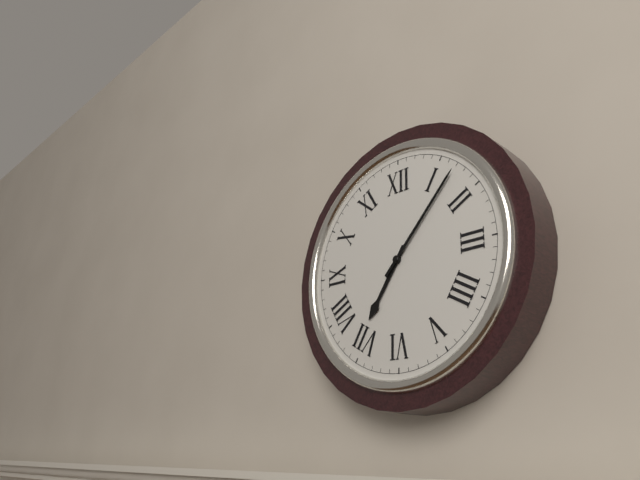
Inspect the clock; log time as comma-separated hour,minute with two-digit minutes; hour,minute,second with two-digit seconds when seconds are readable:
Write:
7,07
